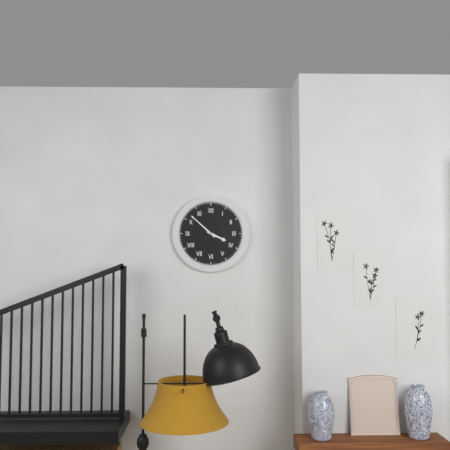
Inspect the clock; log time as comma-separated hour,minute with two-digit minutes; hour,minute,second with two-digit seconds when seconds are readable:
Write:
3,52
